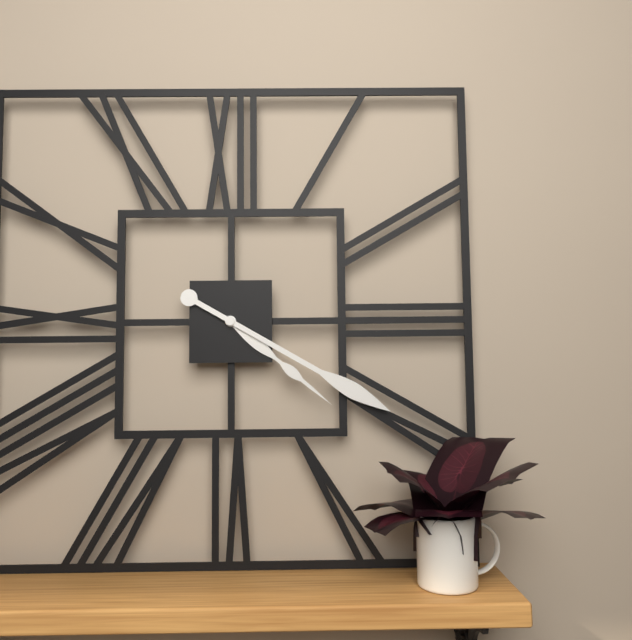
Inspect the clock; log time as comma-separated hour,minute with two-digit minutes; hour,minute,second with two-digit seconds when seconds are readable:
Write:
4,20
